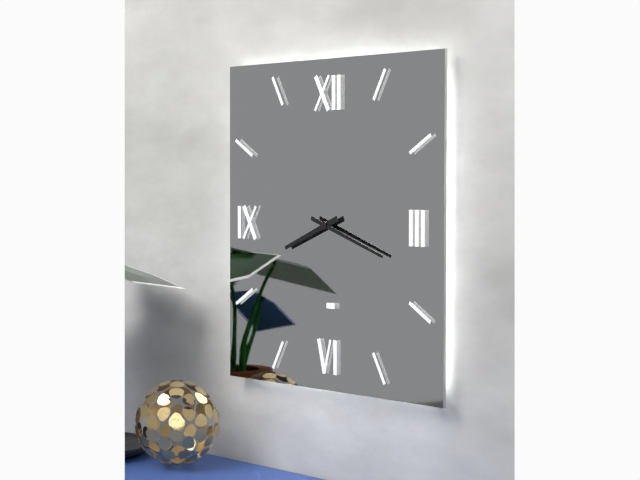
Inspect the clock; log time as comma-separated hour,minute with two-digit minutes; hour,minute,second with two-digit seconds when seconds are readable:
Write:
8,18
